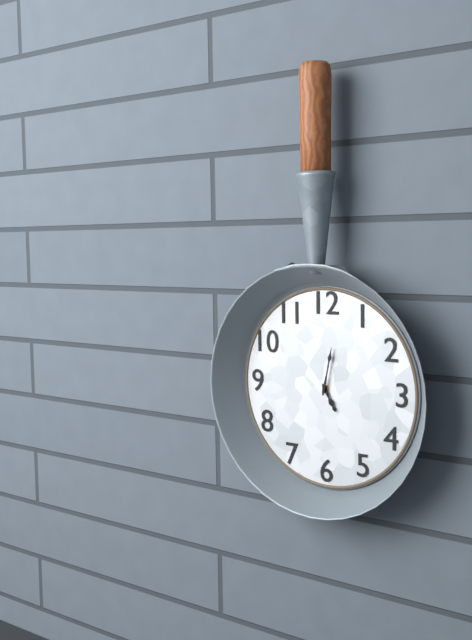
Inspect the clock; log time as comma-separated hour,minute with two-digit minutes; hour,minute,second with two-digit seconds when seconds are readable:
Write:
5,02
